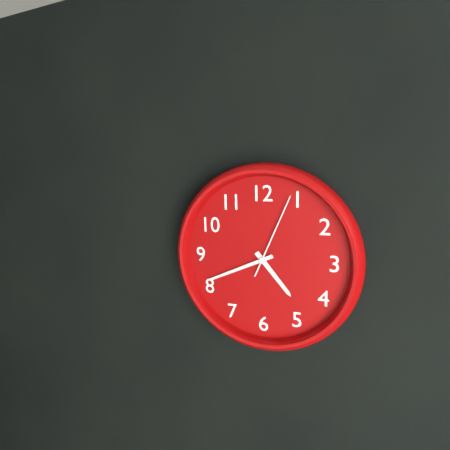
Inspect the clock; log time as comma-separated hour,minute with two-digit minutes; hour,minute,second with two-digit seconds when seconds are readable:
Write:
4,41,04
